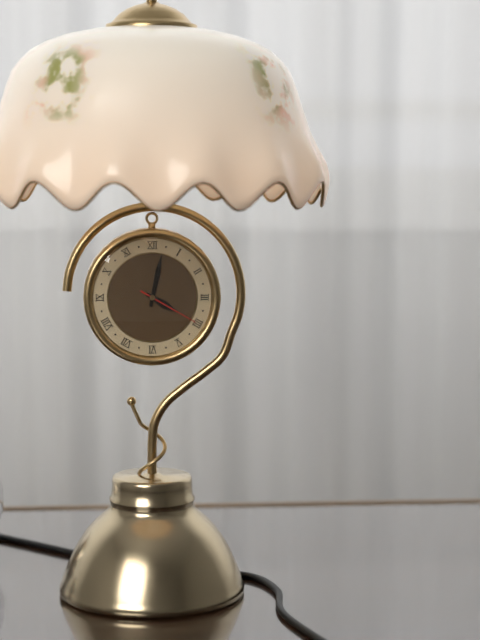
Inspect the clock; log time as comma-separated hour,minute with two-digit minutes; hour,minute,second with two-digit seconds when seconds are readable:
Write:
4,02,20
